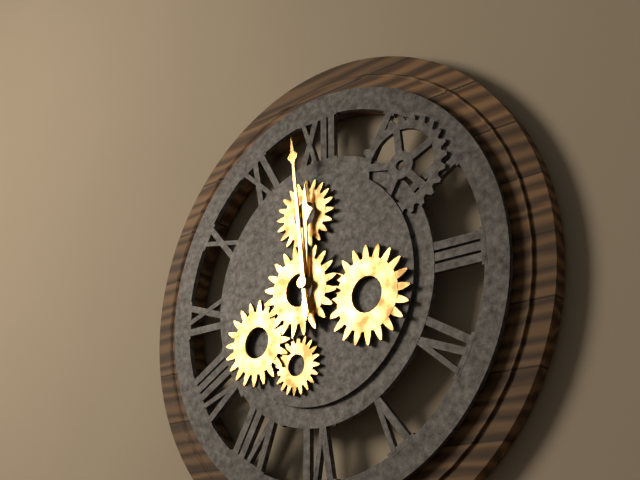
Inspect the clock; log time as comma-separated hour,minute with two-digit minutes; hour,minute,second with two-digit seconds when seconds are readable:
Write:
11,59
